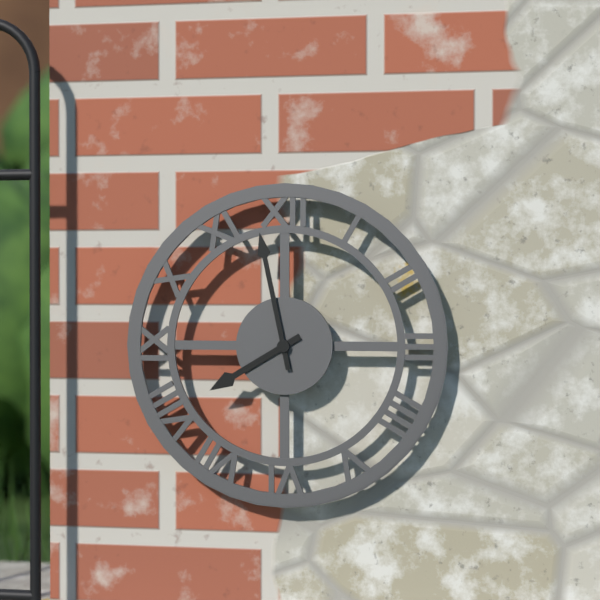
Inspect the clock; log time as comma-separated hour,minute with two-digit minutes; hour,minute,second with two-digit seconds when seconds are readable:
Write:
7,58
